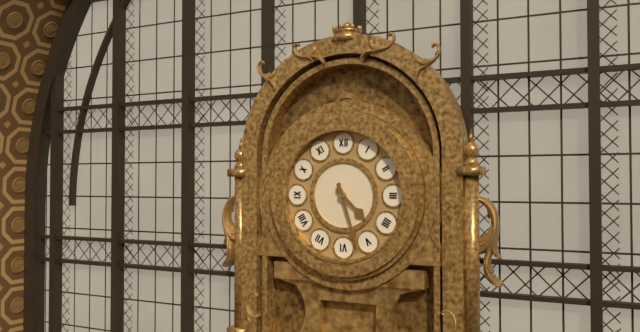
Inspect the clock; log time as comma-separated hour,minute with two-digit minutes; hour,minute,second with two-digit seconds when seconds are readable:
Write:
4,27
